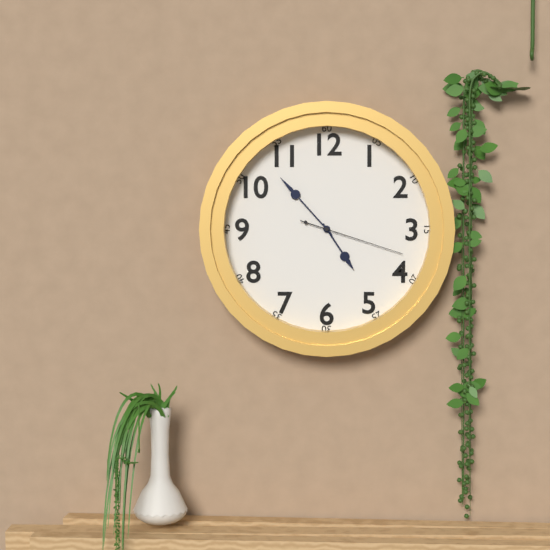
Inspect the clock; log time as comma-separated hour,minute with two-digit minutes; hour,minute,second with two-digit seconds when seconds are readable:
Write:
4,53,18
